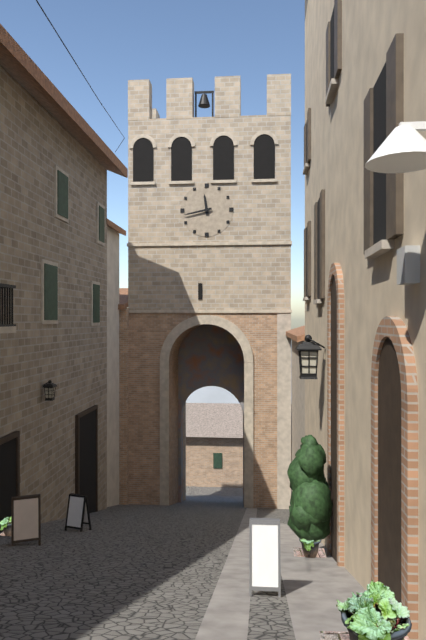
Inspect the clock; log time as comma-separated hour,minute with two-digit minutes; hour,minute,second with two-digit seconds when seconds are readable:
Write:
11,43
